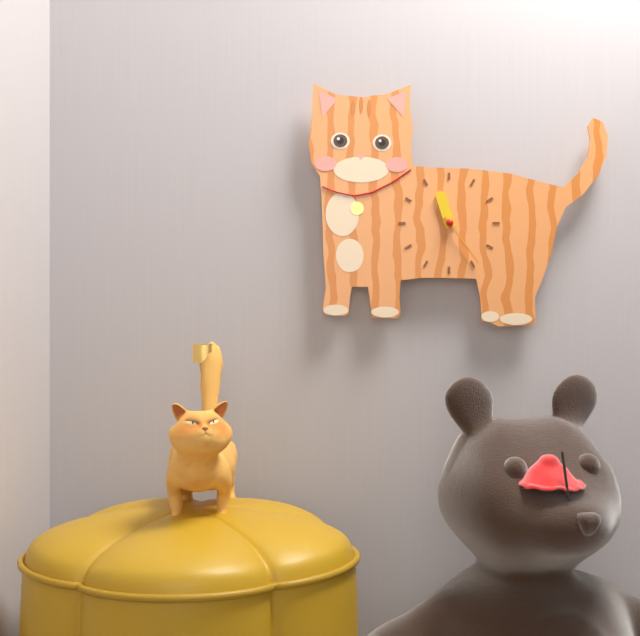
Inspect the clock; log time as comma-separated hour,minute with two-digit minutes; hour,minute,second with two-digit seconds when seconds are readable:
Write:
11,24
